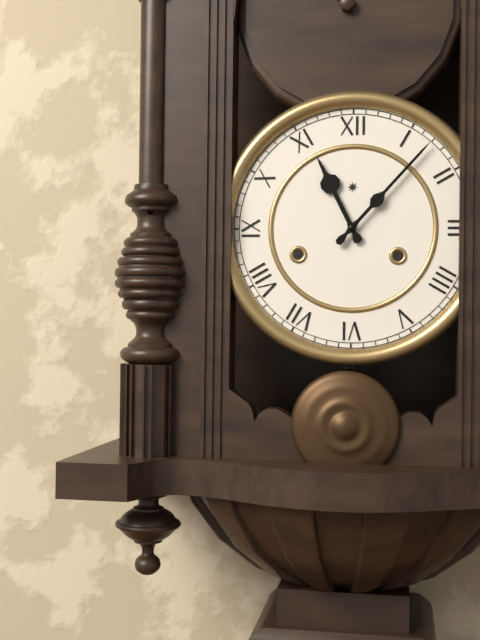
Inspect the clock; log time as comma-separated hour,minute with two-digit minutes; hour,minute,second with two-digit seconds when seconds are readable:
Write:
11,07
